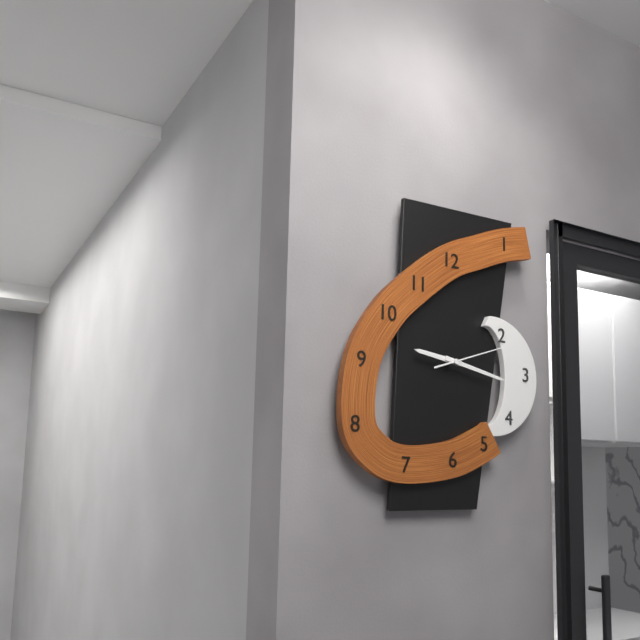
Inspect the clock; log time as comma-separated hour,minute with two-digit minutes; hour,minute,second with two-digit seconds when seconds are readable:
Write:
9,17,12
